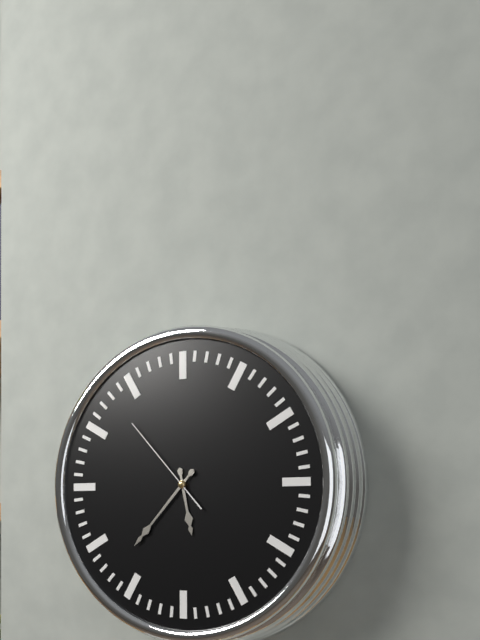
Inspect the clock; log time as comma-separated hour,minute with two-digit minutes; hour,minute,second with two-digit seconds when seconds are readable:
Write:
5,37,53
